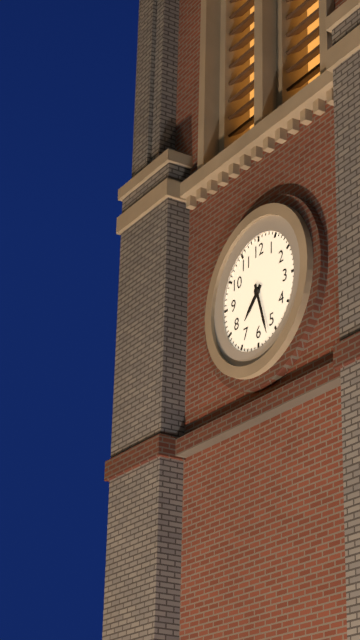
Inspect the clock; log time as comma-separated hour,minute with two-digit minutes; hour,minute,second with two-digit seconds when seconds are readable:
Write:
7,27
